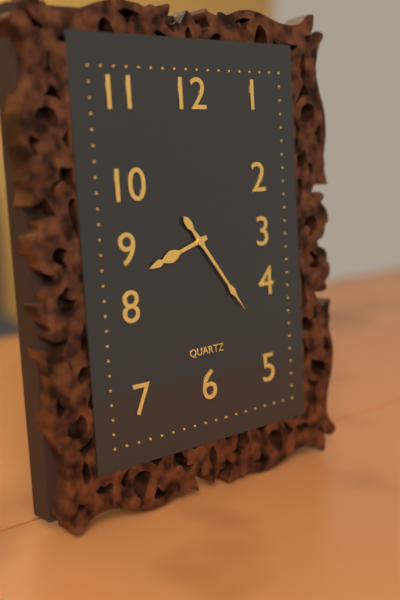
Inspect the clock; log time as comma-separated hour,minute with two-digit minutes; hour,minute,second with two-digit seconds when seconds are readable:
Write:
8,24
